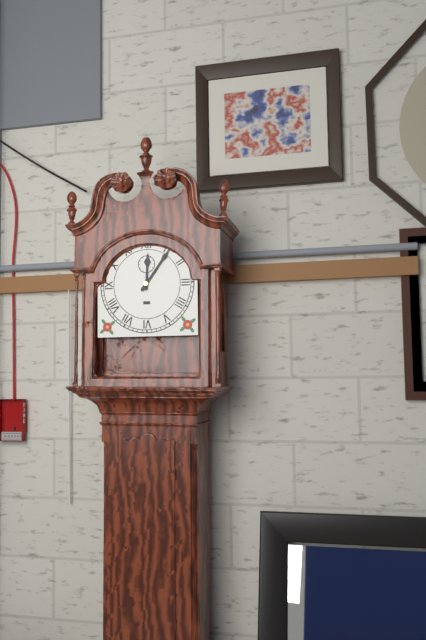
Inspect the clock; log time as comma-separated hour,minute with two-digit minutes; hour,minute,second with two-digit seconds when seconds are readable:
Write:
12,06
